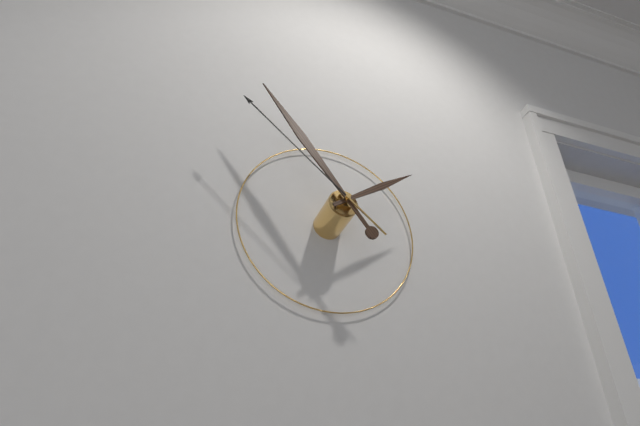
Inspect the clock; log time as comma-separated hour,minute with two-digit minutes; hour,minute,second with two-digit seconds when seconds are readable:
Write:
1,54,52
